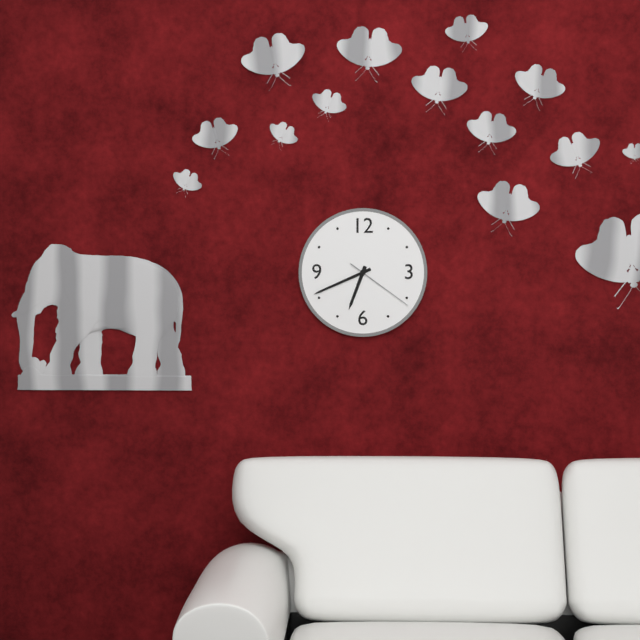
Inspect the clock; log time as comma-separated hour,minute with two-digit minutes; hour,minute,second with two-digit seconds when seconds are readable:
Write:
6,41,21
